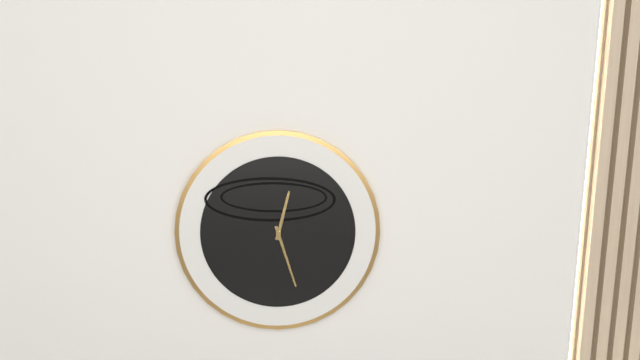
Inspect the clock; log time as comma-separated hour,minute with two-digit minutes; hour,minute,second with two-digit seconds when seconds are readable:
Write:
12,27
